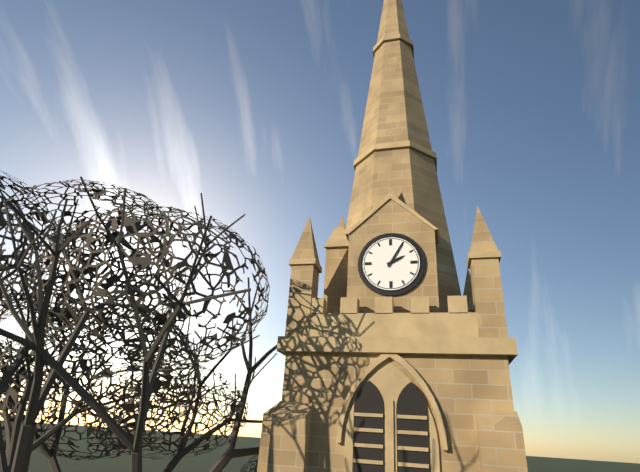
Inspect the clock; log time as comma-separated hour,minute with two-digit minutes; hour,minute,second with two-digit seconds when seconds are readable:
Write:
2,05
